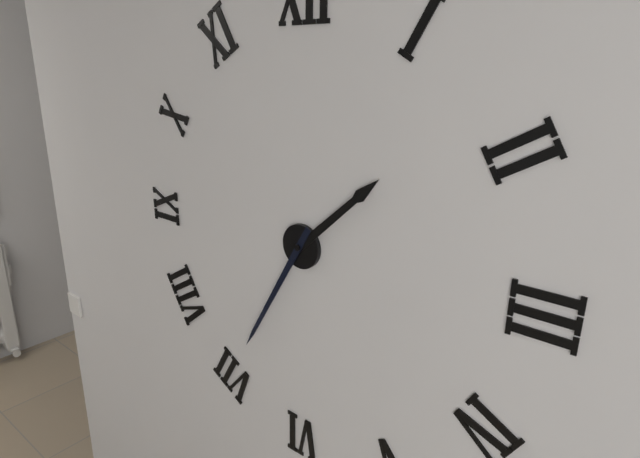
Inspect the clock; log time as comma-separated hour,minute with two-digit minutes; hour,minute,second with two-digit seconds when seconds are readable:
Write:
1,35
